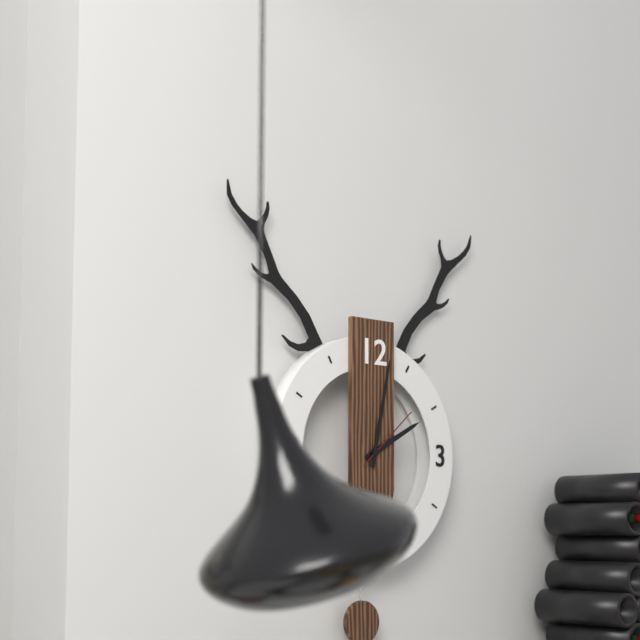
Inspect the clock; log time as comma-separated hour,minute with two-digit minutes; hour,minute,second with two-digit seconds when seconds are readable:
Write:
2,02,08
